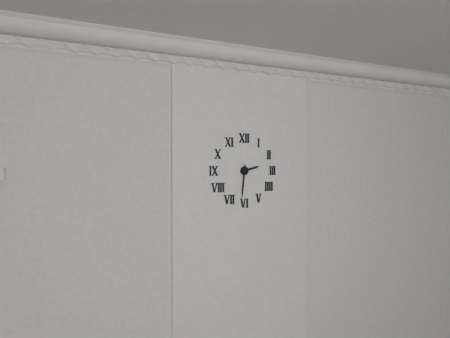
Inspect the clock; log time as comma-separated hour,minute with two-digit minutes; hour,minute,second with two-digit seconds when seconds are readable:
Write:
2,31
